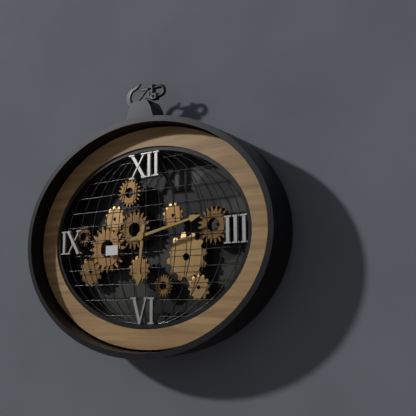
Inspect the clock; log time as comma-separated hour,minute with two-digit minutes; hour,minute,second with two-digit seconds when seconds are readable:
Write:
6,13
